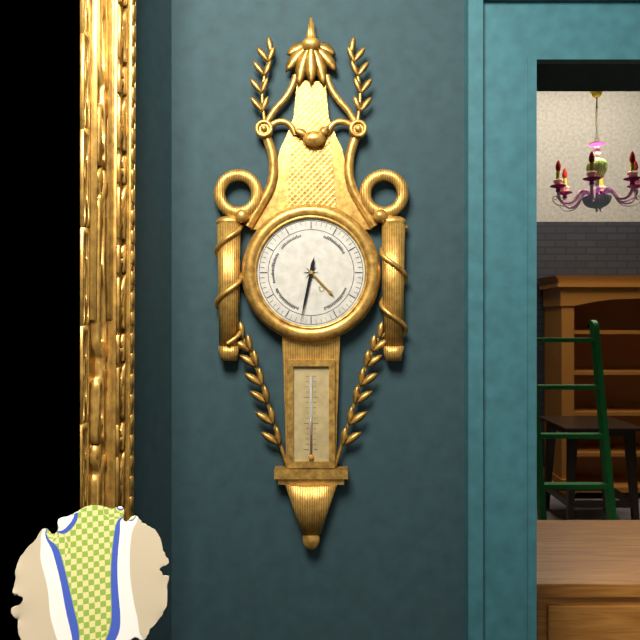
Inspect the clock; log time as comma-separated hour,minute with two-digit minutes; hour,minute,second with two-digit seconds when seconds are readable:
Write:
4,32
